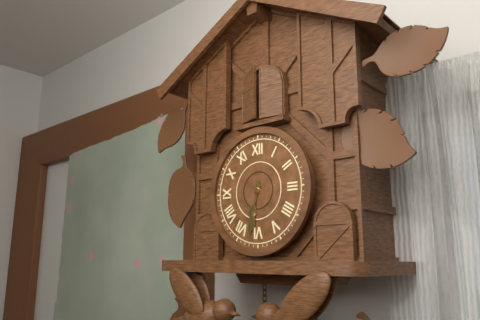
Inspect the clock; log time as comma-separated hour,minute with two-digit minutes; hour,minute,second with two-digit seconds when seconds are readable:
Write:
6,32
